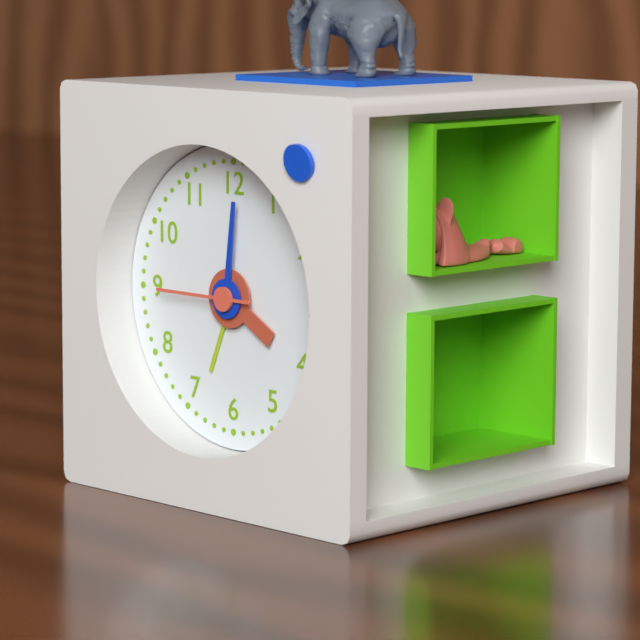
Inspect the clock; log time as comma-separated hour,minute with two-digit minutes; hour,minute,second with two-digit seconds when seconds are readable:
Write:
4,01,45
